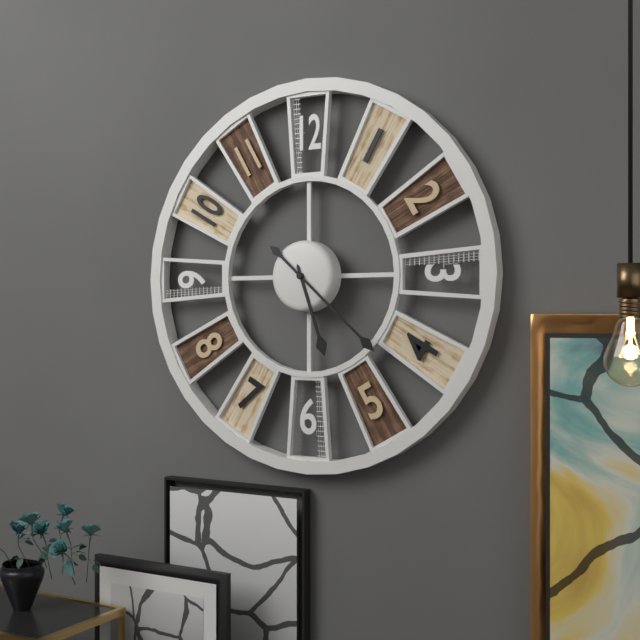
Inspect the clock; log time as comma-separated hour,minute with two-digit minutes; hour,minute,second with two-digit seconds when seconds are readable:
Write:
5,22
